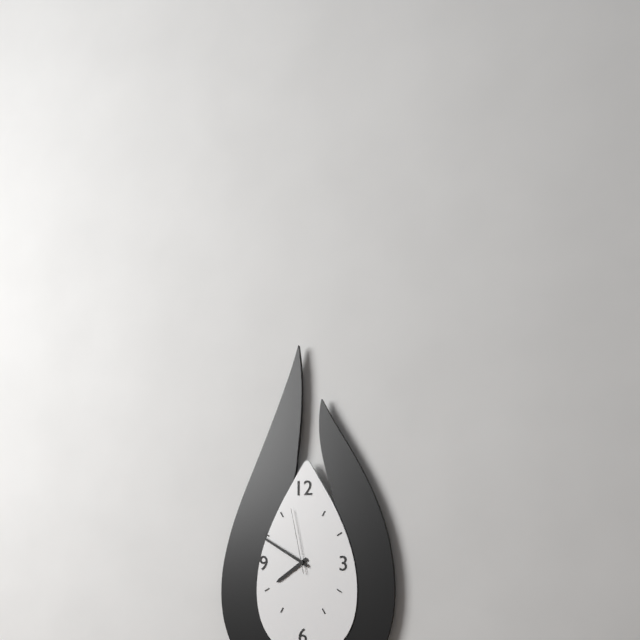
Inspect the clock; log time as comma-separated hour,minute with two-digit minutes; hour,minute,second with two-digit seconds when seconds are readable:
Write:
7,50,58
